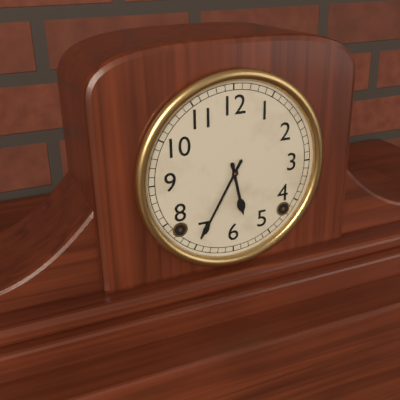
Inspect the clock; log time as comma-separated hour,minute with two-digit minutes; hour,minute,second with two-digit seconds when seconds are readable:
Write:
5,35
